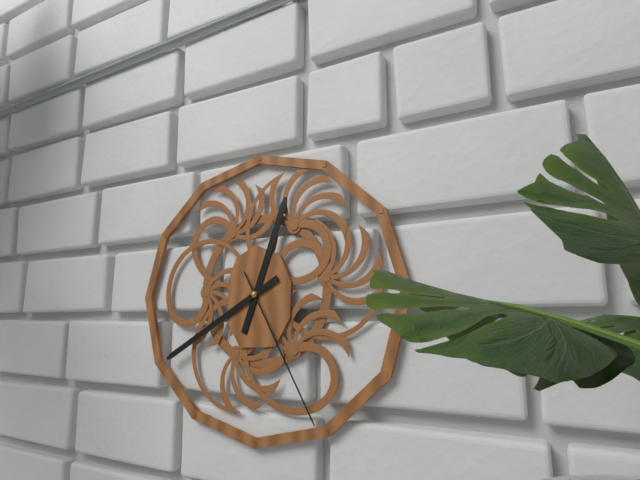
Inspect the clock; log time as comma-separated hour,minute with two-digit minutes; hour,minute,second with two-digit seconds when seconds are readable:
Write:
12,40,25
